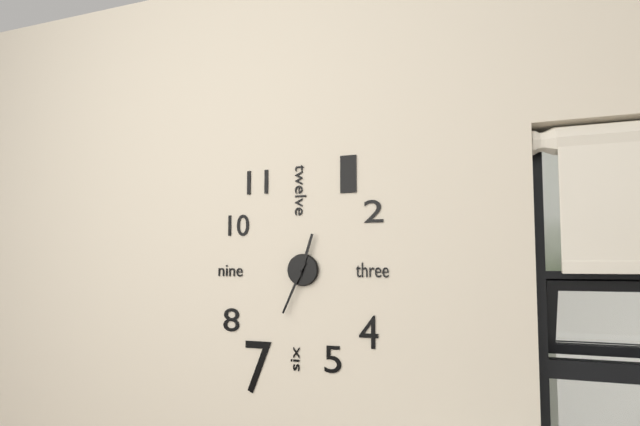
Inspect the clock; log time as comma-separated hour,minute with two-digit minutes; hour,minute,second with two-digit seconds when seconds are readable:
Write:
12,34
